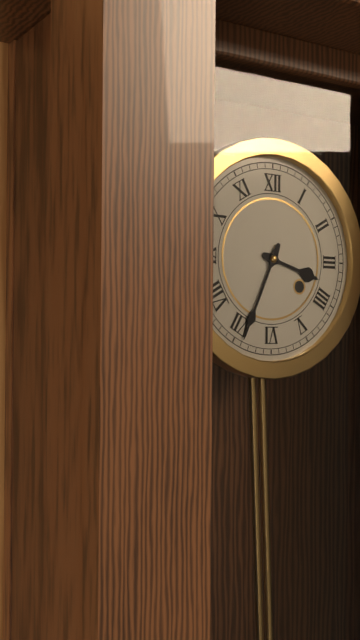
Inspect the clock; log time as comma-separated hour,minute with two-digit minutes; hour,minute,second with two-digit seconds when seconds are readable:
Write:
3,34
